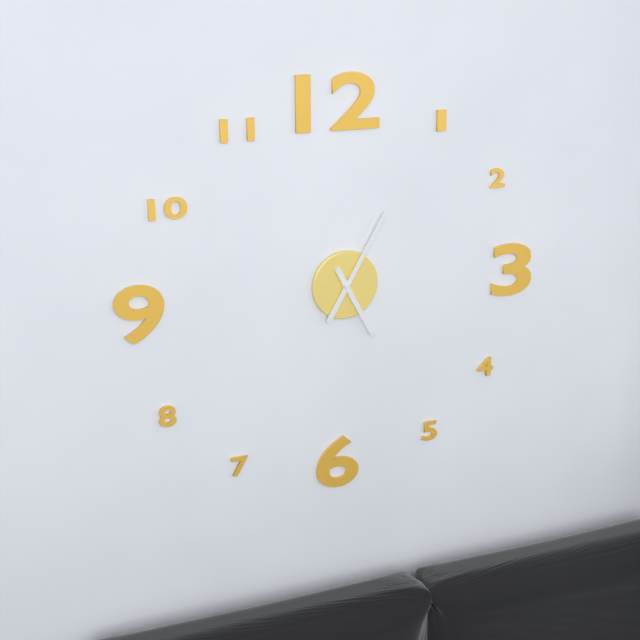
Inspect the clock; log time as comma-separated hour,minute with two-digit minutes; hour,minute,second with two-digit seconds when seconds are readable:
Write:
5,05
